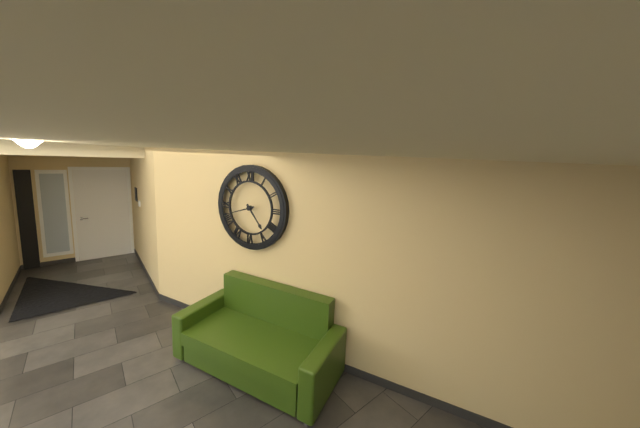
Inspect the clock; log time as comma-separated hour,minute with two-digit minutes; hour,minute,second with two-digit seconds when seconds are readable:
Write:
4,42
